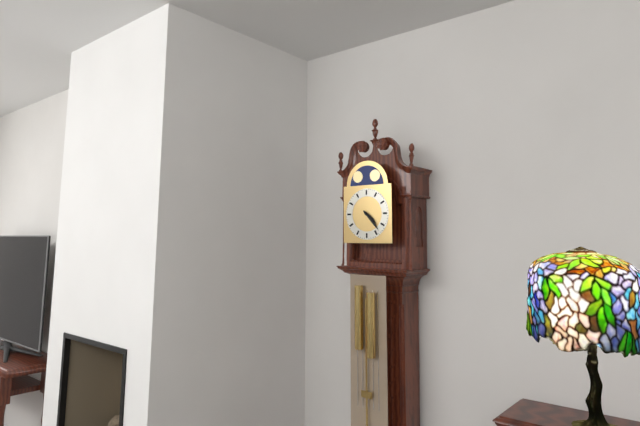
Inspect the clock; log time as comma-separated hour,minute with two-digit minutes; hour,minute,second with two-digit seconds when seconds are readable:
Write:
4,23
